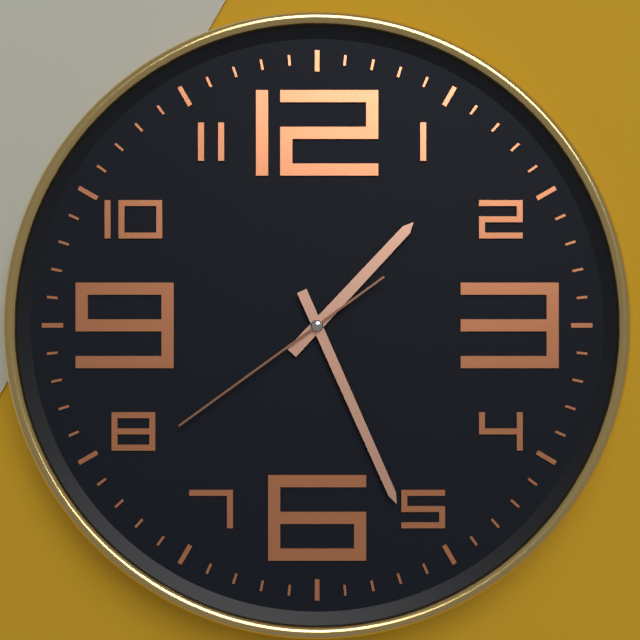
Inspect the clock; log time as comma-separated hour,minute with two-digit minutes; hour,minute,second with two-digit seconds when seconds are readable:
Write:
1,26,39
